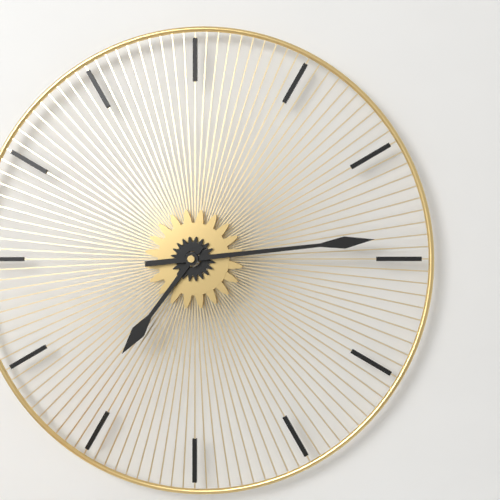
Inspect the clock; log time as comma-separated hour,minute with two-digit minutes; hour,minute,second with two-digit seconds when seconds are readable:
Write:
7,14
